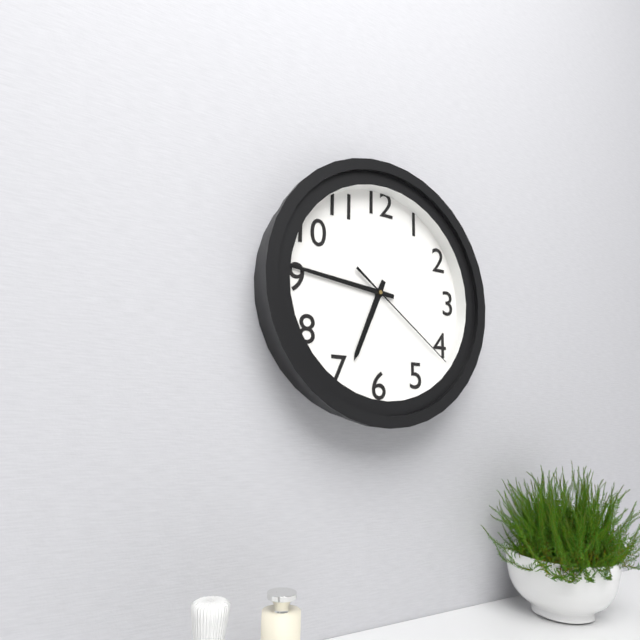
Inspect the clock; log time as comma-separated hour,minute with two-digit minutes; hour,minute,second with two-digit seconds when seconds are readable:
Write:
6,46,21
